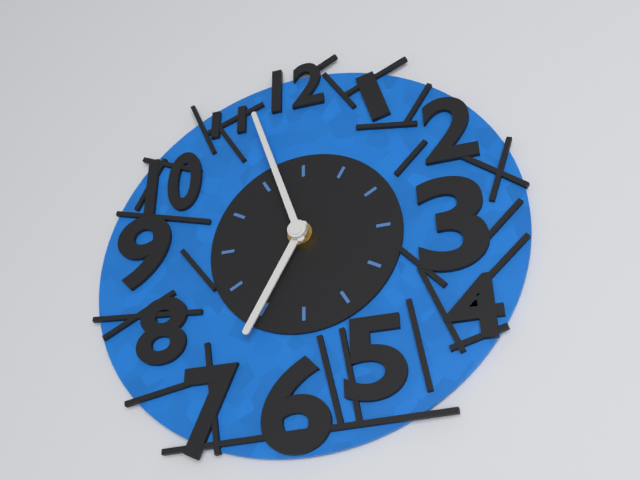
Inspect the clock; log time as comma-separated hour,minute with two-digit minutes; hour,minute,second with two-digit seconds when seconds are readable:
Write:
6,57
